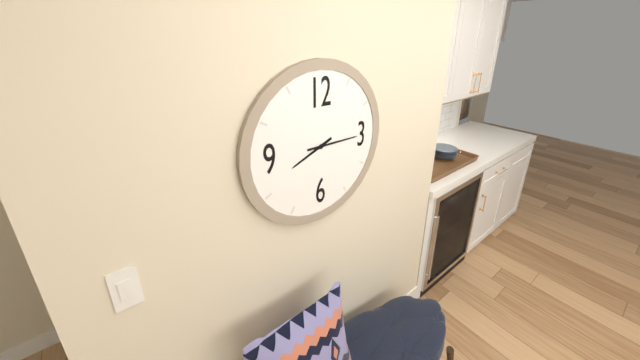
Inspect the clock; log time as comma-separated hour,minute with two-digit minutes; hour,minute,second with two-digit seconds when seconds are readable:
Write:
8,15
